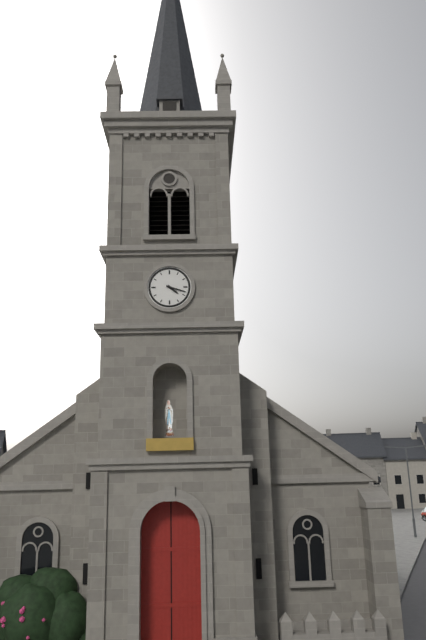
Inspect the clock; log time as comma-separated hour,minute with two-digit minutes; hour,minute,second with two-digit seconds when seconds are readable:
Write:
4,18
